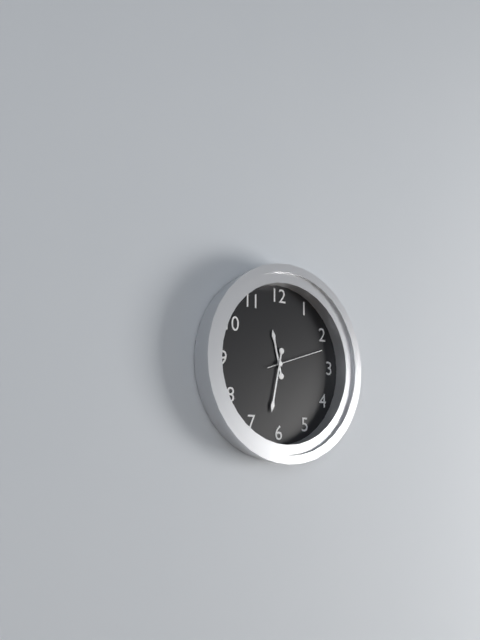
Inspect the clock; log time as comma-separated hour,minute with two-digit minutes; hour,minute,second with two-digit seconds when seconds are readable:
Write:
11,32,12
